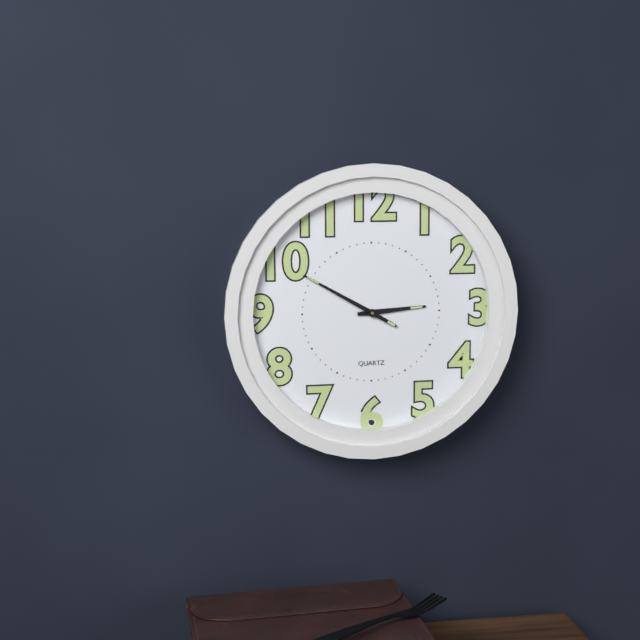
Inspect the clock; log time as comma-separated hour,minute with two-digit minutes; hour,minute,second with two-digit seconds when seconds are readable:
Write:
2,50
